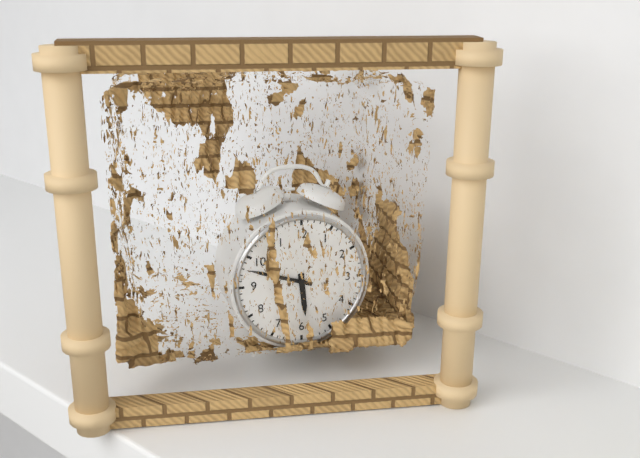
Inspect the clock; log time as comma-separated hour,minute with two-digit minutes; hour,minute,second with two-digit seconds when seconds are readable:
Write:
5,48
